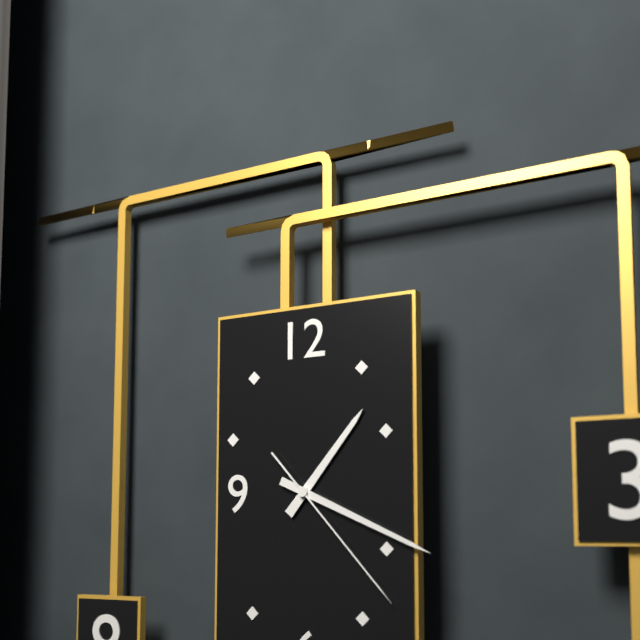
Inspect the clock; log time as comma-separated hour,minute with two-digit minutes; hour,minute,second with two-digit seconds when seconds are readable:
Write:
1,19,23
